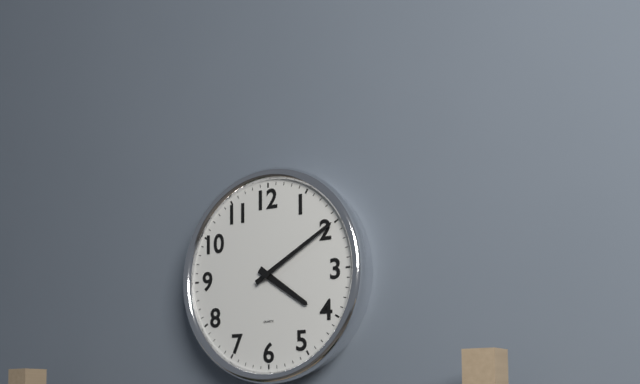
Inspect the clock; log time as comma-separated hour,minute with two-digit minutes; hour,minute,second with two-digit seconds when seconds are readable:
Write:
4,10
